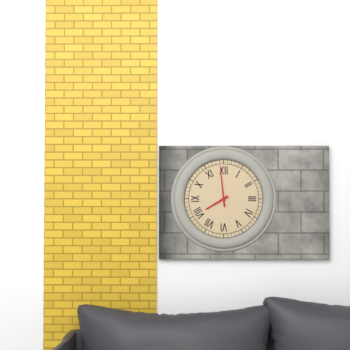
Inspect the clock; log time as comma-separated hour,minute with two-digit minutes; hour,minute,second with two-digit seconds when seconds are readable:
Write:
7,59
